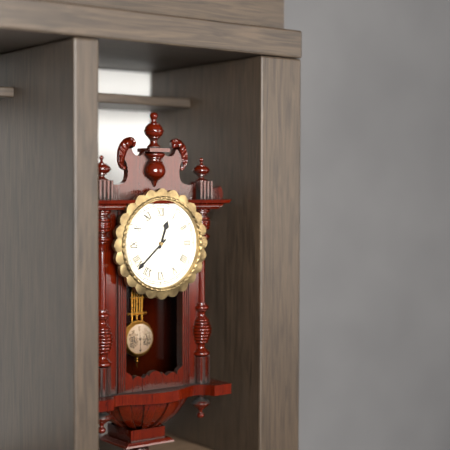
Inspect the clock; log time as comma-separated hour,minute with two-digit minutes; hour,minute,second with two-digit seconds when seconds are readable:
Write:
12,38
